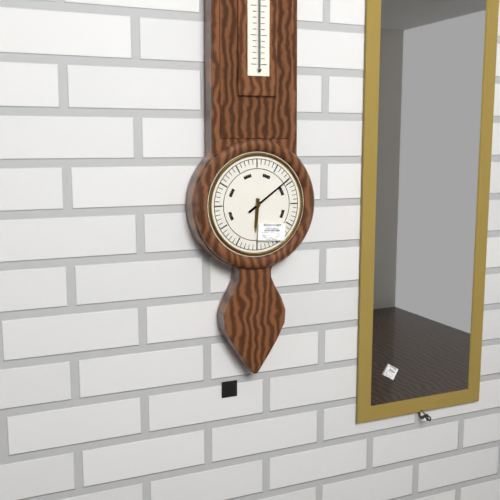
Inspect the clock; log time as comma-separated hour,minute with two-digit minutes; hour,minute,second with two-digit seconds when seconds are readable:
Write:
6,09
